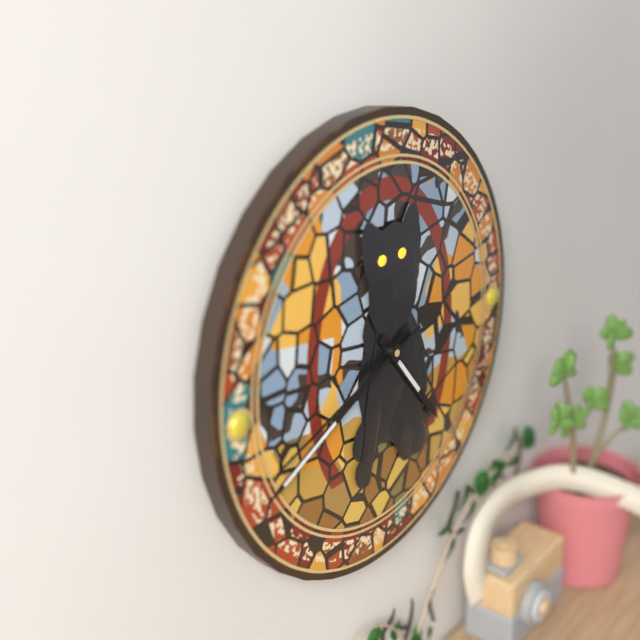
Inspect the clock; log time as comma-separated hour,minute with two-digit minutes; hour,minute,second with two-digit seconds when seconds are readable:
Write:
4,41,42
